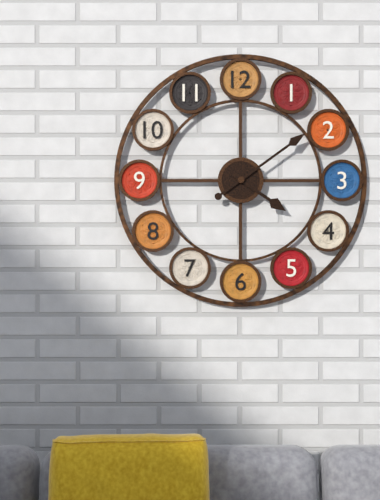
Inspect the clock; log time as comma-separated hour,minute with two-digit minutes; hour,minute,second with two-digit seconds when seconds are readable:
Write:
4,09
